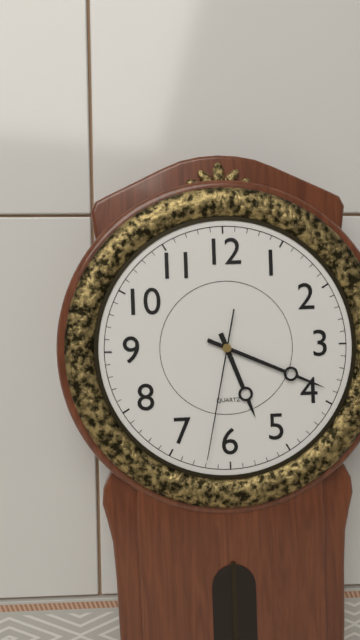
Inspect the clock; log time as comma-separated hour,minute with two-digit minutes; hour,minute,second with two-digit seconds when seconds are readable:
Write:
5,19,32
